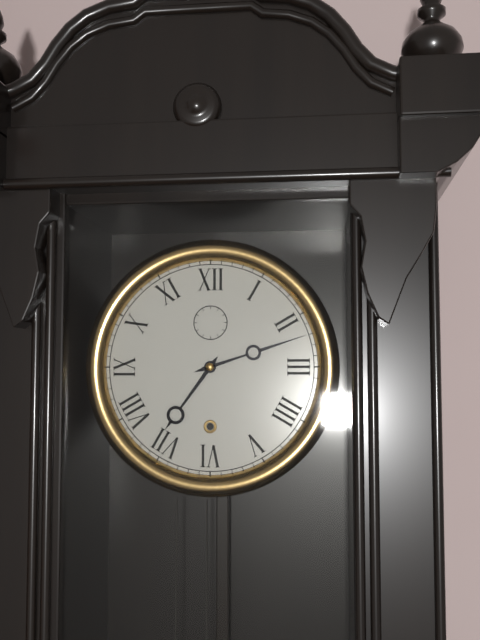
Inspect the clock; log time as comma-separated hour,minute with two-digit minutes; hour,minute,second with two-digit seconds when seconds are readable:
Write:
7,12
